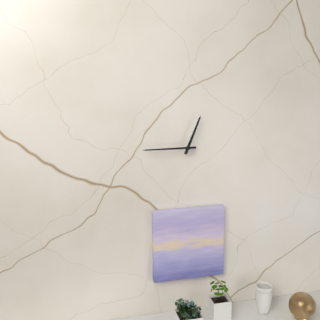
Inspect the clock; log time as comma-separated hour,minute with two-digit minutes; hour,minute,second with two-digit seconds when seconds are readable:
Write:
12,45
